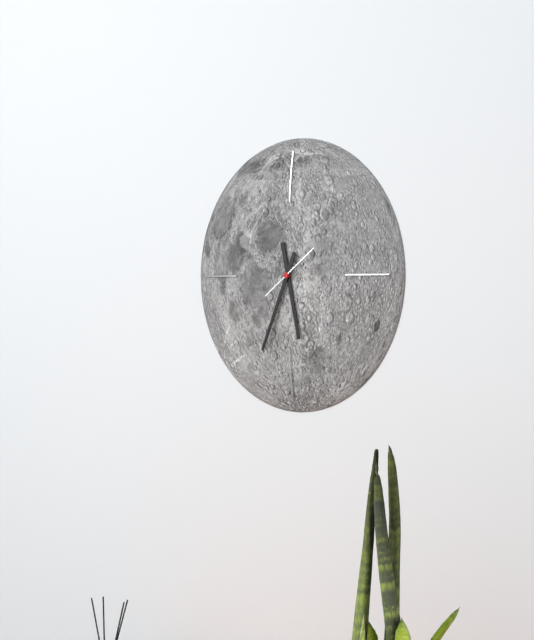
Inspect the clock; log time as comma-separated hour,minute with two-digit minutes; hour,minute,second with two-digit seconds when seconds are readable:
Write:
5,34
